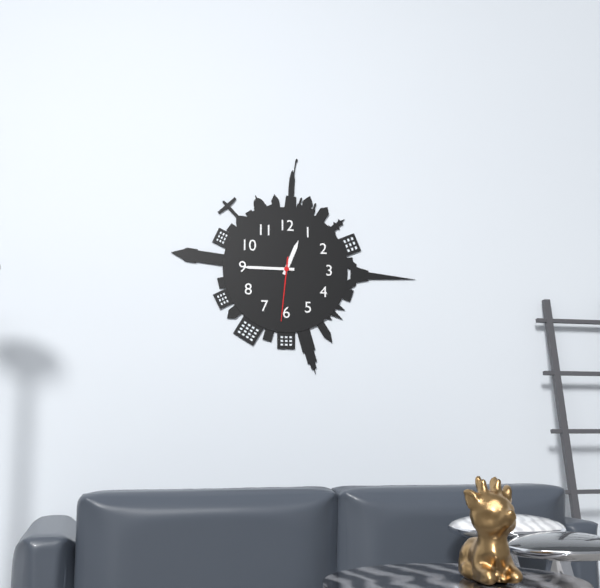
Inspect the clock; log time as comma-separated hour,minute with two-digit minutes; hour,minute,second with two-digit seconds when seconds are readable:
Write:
12,45,31
